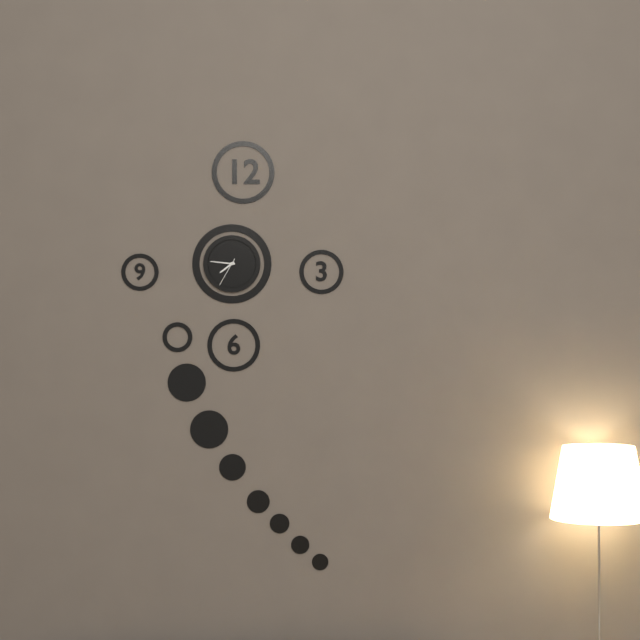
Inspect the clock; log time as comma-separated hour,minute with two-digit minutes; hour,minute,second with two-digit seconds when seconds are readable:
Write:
7,46
